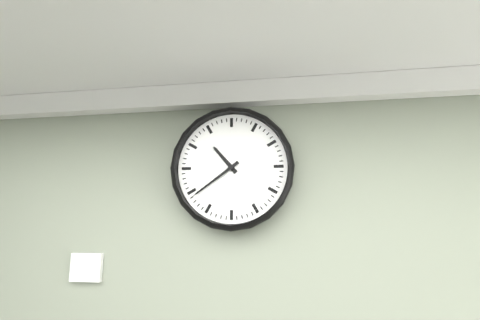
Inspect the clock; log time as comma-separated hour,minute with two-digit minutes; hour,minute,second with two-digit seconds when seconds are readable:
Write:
10,39
